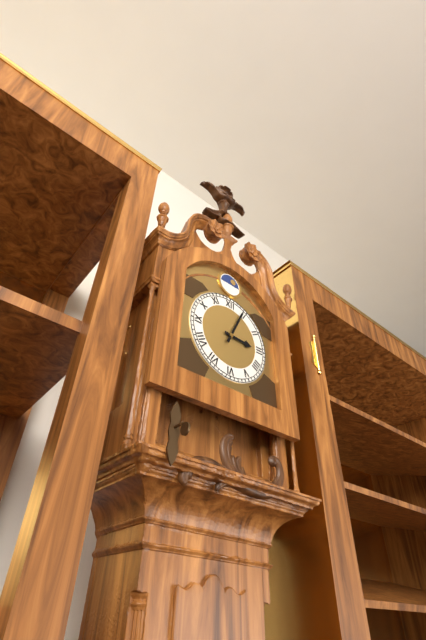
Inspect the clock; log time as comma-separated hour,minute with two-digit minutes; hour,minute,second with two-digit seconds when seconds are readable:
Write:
3,04
